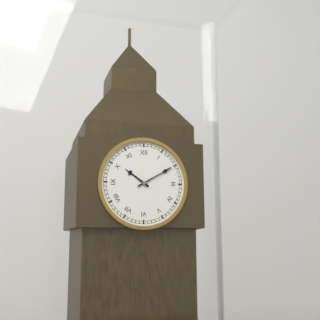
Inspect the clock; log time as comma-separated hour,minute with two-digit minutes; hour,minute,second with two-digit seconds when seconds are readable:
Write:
10,10
